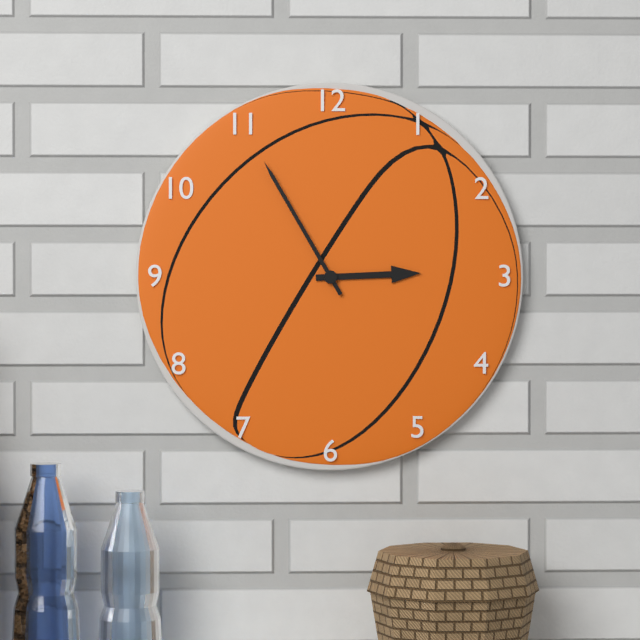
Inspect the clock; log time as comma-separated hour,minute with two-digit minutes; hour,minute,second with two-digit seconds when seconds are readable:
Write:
2,55
